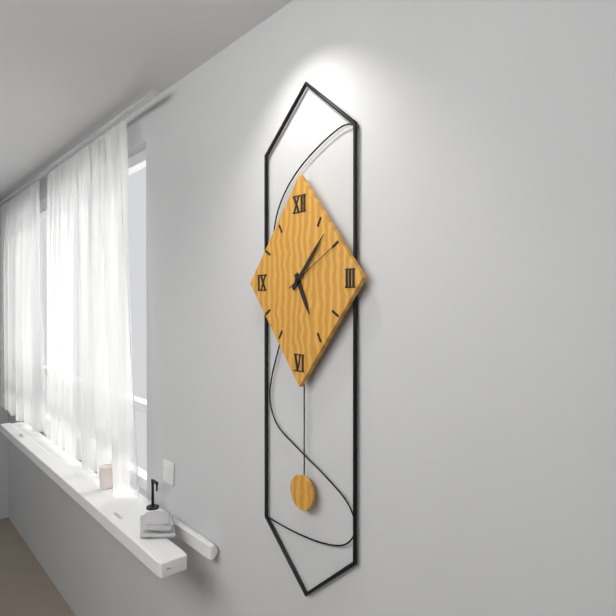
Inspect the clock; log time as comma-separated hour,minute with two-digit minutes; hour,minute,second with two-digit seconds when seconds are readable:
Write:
5,07,10
